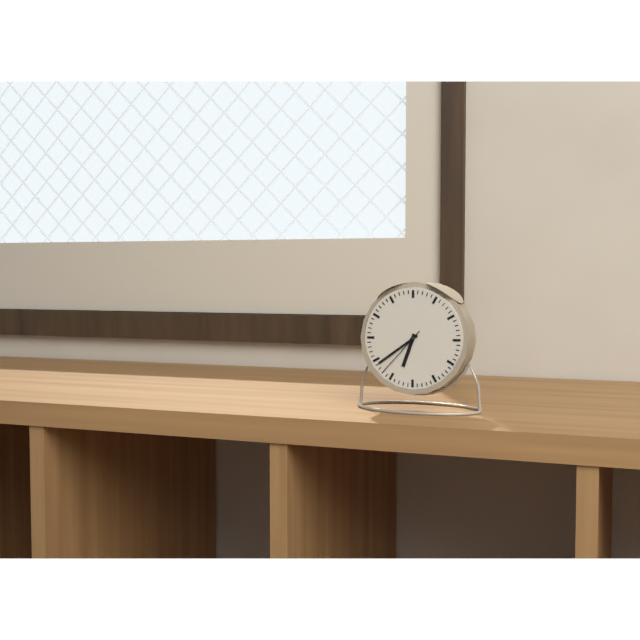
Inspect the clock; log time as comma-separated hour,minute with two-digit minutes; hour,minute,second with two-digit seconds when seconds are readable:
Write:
6,39,37
